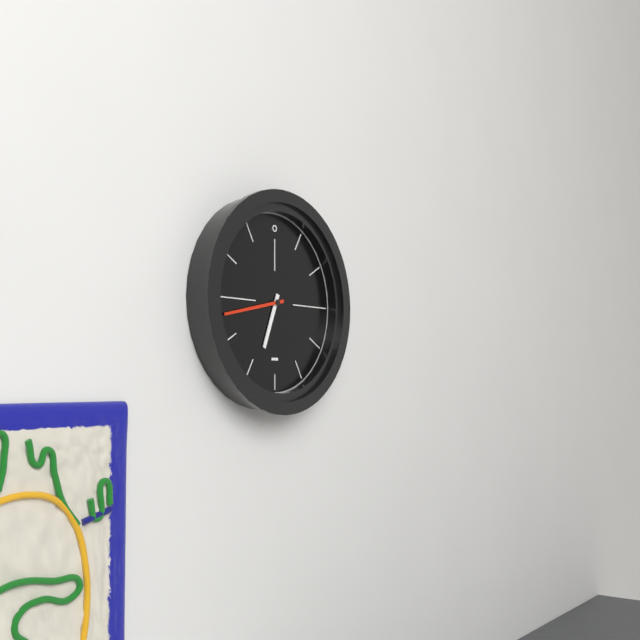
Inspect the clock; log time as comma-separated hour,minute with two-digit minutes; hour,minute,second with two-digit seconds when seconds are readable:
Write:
6,43
